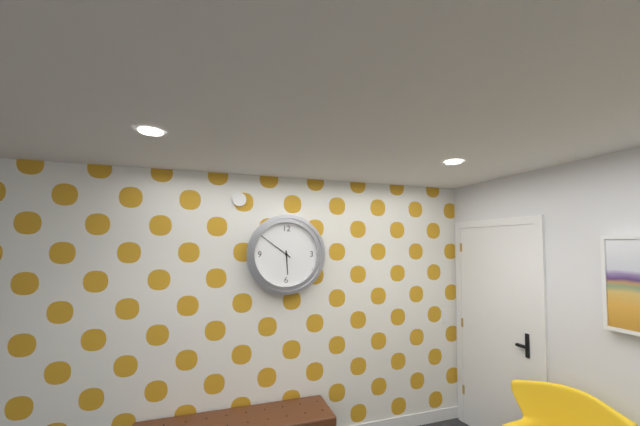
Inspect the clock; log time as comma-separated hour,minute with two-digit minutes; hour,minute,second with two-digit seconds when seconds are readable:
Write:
5,51
